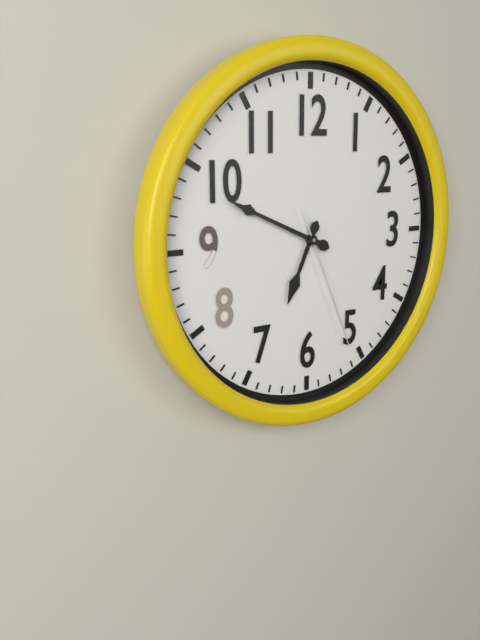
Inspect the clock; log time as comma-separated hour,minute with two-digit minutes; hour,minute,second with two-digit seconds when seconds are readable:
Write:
6,49,26
